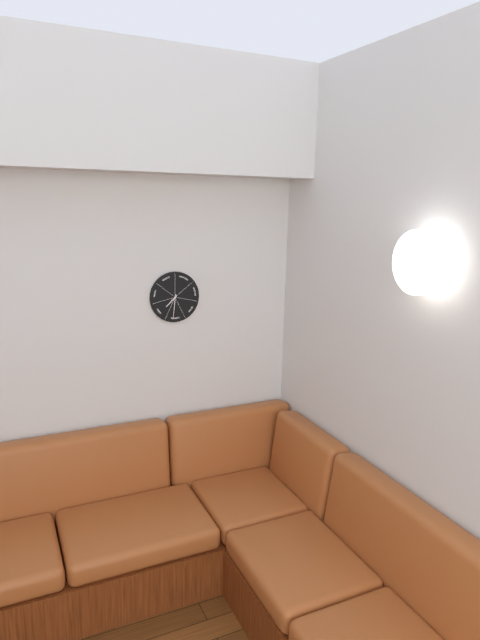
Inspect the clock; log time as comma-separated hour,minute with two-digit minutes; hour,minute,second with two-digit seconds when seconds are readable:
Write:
7,31
